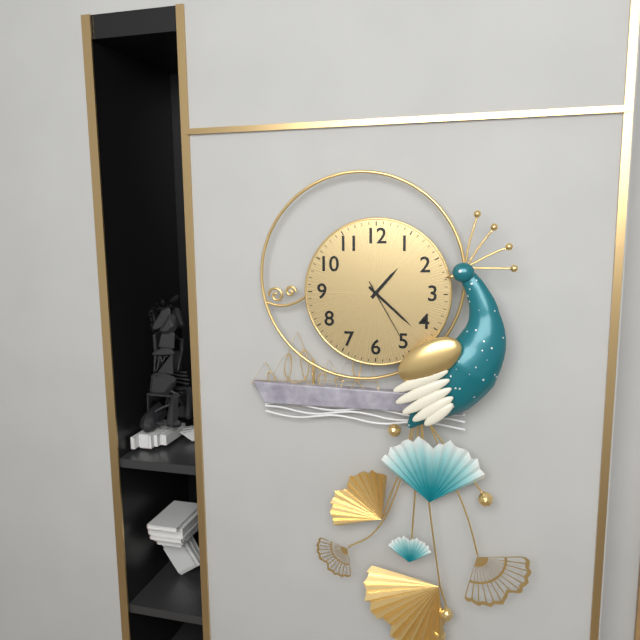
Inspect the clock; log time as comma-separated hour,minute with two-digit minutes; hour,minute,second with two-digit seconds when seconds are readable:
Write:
1,22,25
